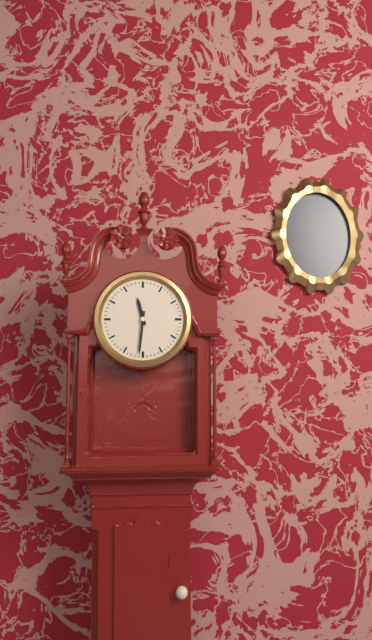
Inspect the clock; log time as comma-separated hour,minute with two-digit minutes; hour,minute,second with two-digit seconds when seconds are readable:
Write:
11,31
